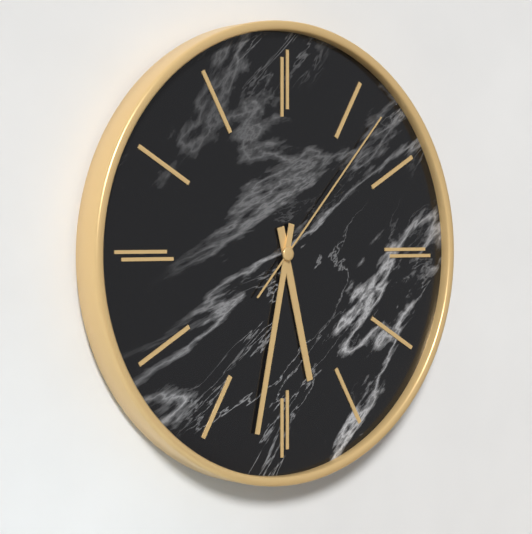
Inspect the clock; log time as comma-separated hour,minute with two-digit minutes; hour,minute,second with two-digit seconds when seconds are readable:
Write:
5,32,07
